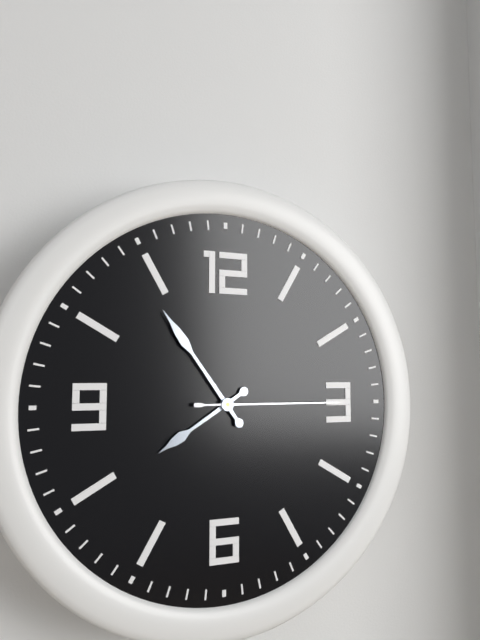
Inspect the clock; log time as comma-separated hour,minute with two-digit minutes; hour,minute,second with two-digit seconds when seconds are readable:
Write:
7,54,15
